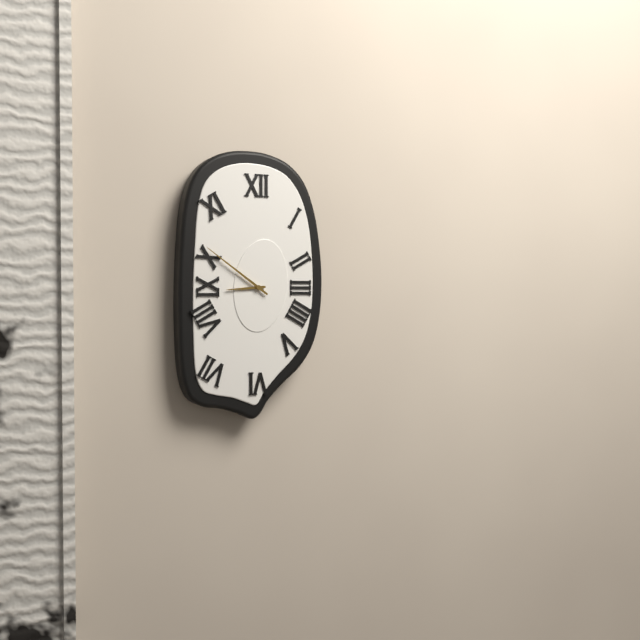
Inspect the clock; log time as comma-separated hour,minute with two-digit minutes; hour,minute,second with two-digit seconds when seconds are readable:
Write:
8,51
